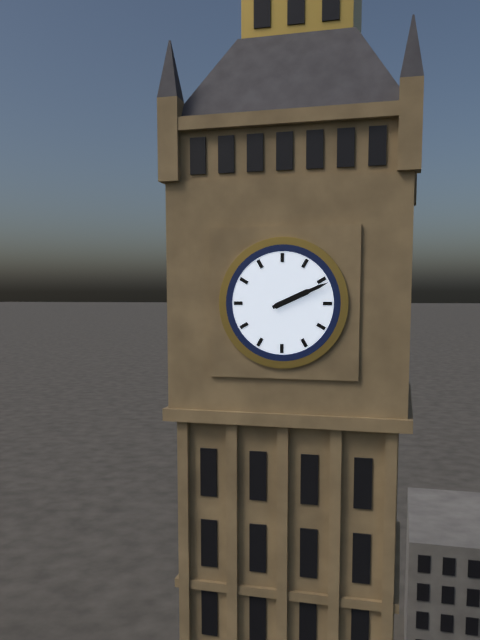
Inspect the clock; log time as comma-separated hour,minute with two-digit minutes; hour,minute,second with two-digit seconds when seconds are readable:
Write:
2,11
